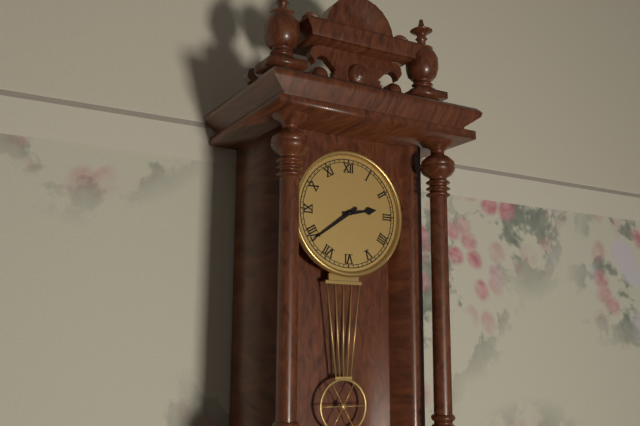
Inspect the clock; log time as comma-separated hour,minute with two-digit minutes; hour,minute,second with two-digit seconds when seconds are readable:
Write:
2,39
